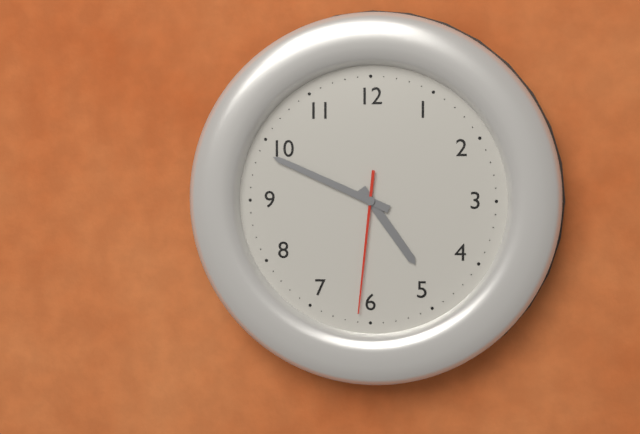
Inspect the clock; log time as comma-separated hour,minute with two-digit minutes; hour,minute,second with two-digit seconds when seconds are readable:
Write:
4,49,31
